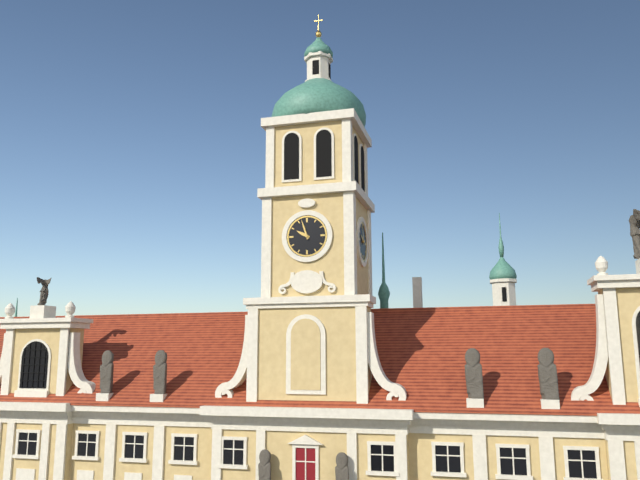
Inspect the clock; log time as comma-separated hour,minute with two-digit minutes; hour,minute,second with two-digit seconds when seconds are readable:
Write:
9,57
